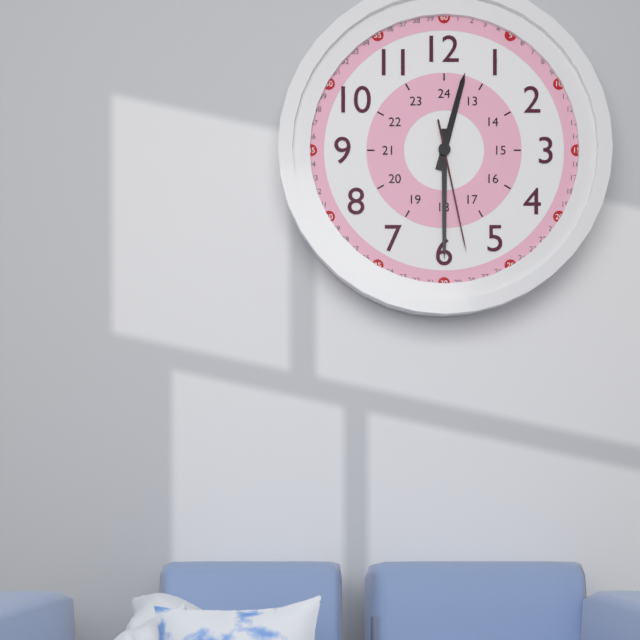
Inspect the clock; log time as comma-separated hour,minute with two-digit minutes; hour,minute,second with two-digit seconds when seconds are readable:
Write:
12,30,28
